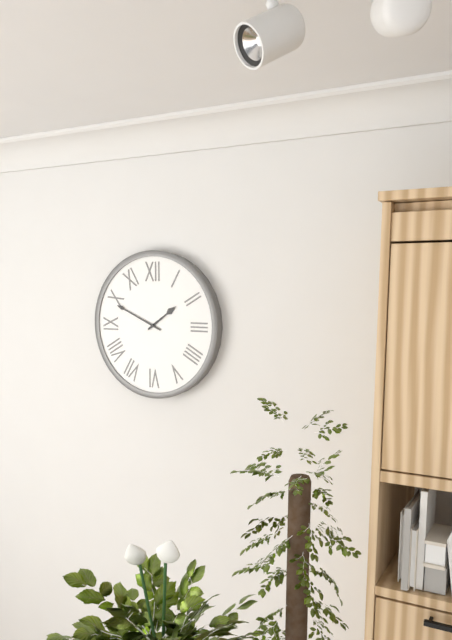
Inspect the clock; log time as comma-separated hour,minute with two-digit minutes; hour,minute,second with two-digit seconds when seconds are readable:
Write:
1,49
